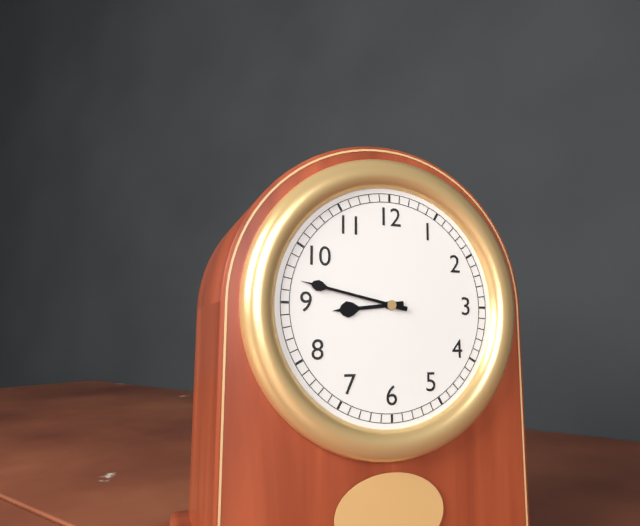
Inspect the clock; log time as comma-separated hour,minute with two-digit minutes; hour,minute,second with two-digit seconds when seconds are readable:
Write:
8,47
